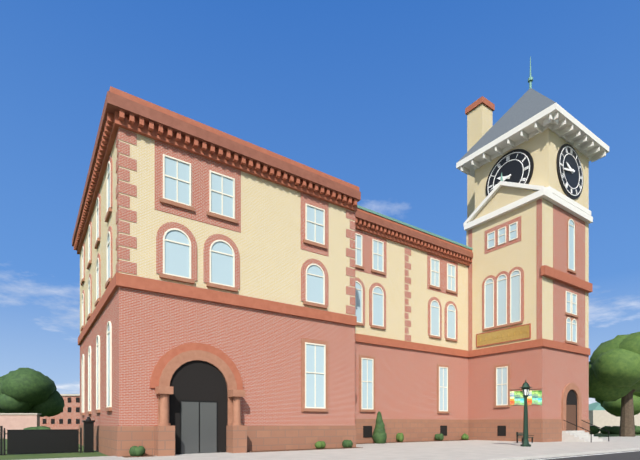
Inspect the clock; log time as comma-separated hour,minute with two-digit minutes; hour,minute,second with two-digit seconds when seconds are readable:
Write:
9,43
